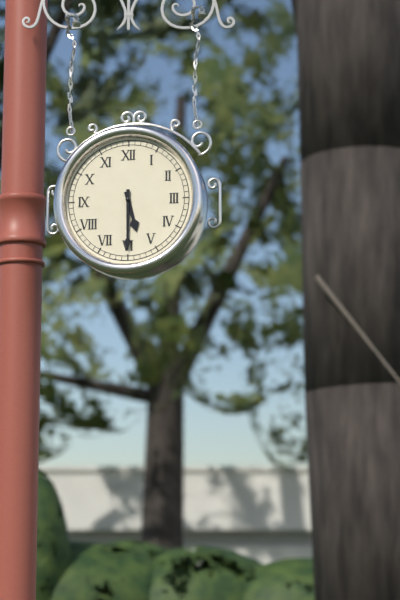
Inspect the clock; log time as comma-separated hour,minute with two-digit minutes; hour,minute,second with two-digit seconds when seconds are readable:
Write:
5,30
